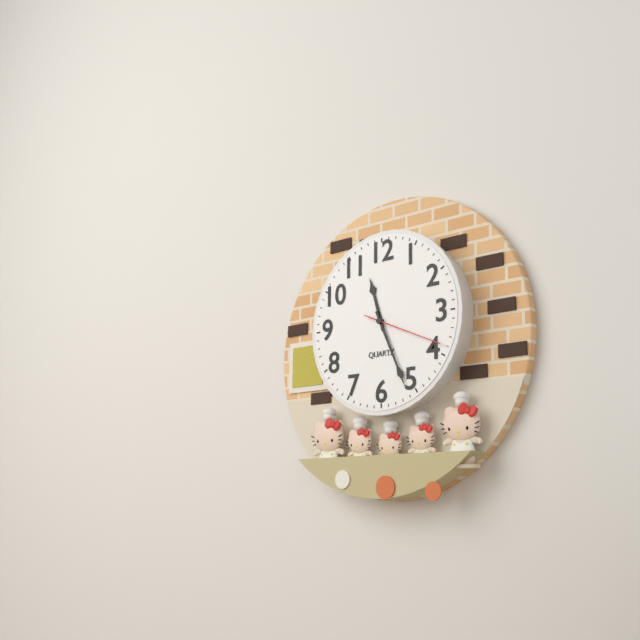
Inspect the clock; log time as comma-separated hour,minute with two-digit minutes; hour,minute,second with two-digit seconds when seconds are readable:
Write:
11,26,19
